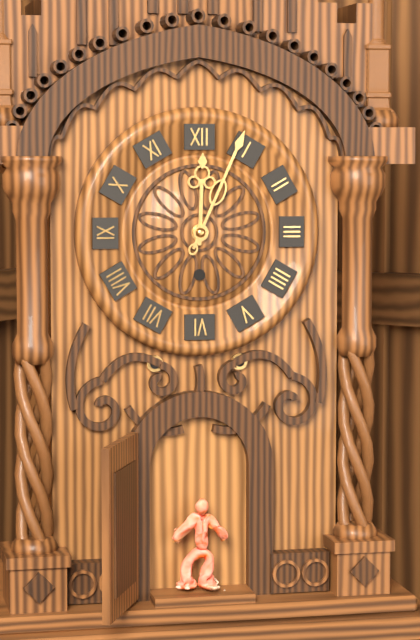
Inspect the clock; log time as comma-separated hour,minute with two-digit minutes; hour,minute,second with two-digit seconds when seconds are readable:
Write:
12,04
